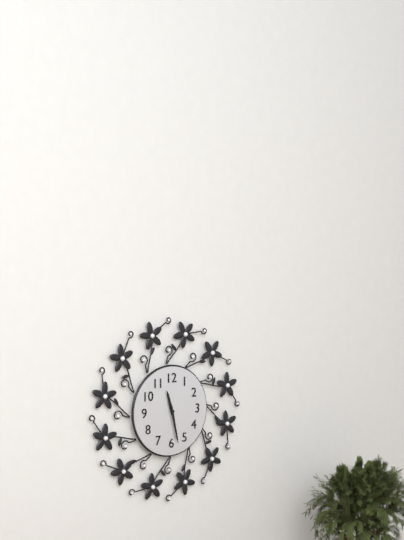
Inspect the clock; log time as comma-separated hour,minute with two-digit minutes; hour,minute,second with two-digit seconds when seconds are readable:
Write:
11,28
